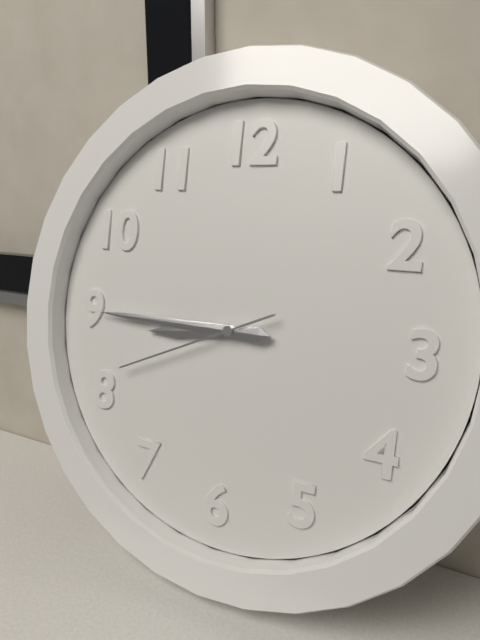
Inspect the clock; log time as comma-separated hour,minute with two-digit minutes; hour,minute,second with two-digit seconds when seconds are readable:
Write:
8,45,41
